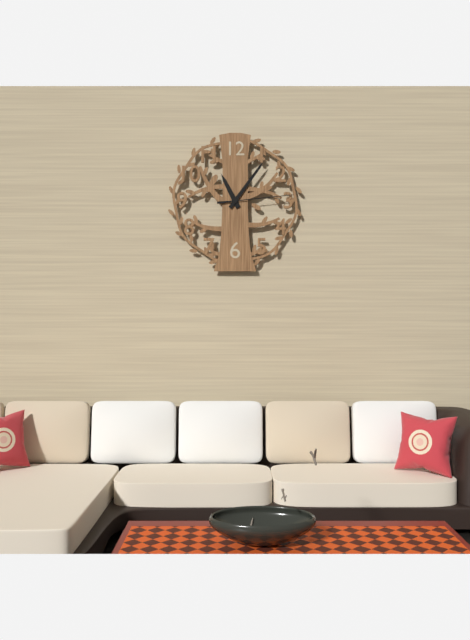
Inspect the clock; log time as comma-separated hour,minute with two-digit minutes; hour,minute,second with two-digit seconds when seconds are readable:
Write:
11,06,14
